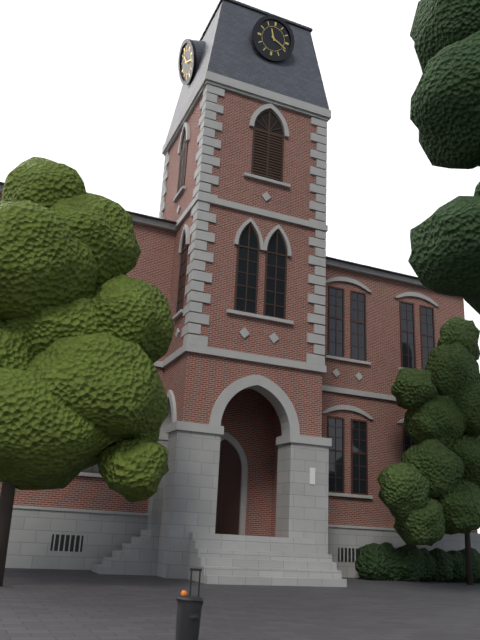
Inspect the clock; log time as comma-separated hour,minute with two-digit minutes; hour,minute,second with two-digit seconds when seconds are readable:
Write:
11,19
